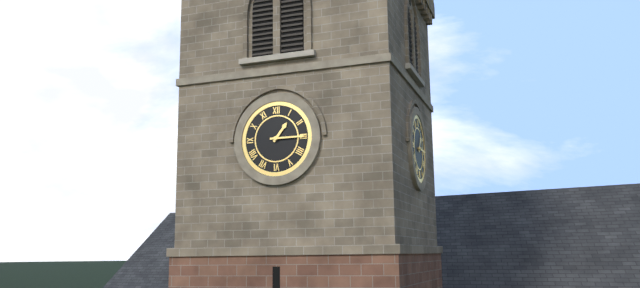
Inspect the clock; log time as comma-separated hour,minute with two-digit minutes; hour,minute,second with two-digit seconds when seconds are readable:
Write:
1,15
